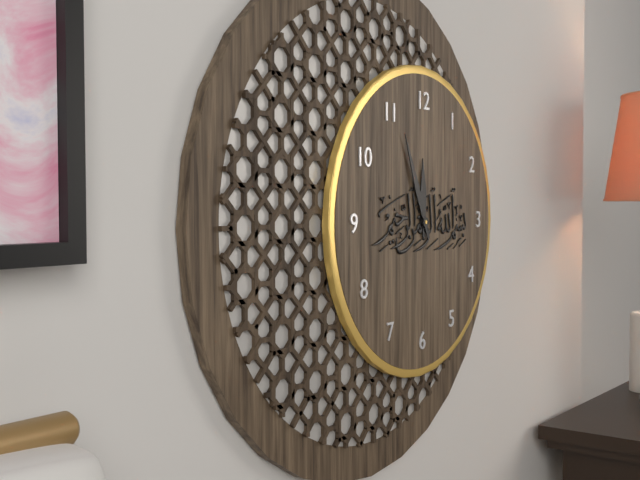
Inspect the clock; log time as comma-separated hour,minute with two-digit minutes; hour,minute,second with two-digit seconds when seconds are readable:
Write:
11,56
